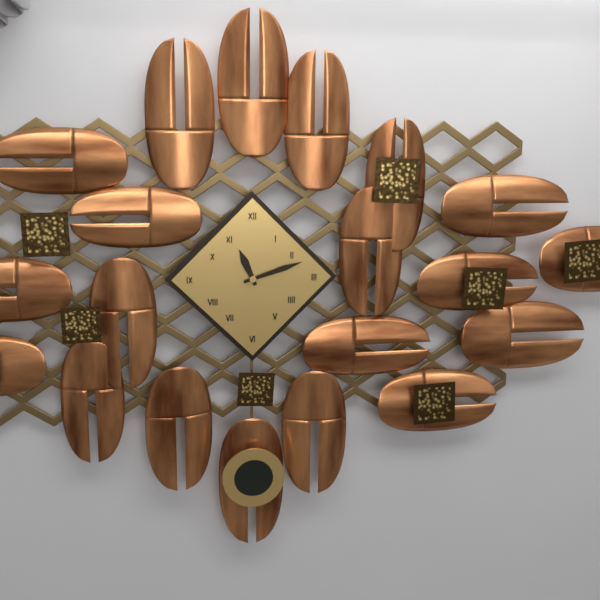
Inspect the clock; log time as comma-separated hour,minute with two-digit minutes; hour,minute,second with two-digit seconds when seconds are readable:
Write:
11,12
